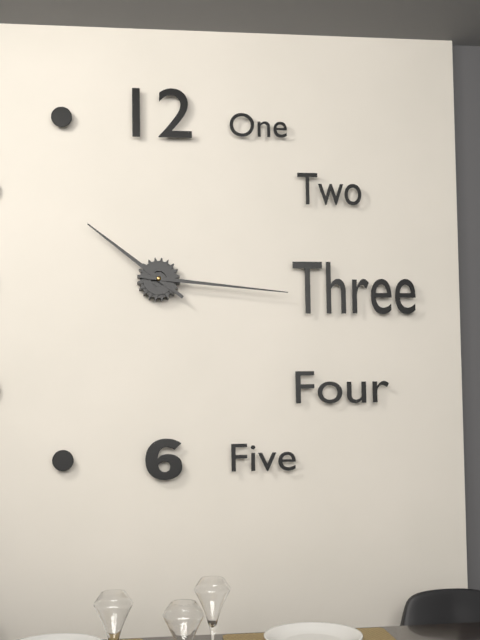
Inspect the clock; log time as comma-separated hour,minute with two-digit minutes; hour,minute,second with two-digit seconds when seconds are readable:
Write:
10,16
